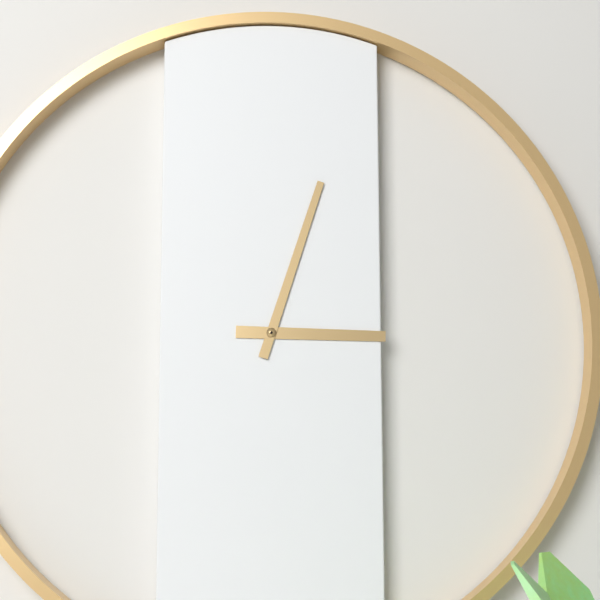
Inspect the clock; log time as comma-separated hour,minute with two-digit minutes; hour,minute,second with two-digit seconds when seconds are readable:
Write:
3,03
